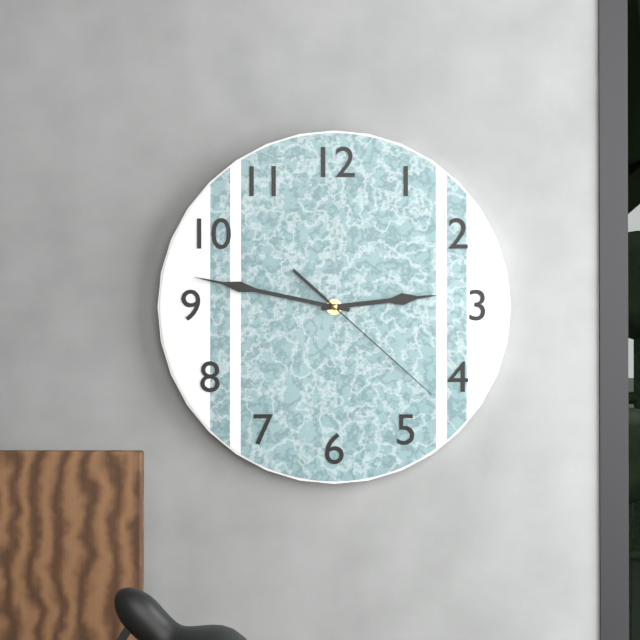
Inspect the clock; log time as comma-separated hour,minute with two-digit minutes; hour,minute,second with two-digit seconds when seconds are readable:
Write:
2,47,22
